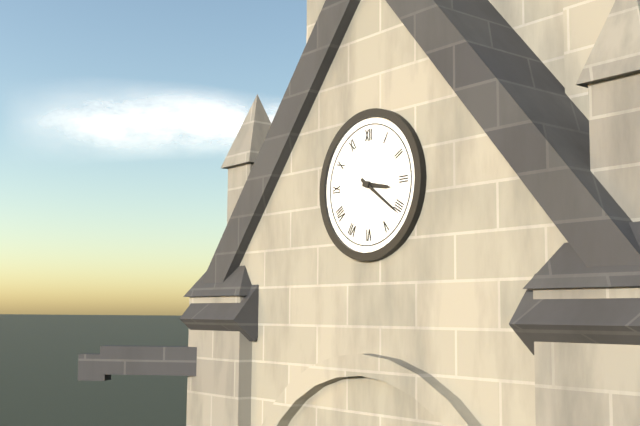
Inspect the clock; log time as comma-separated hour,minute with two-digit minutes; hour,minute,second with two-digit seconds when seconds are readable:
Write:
3,21
